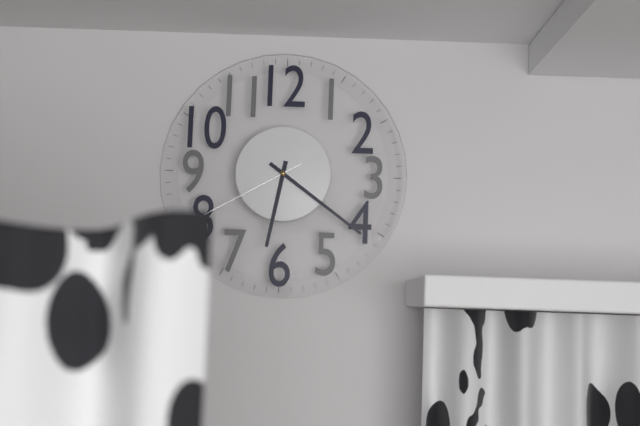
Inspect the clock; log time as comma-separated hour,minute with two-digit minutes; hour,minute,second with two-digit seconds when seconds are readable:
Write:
6,21,40
